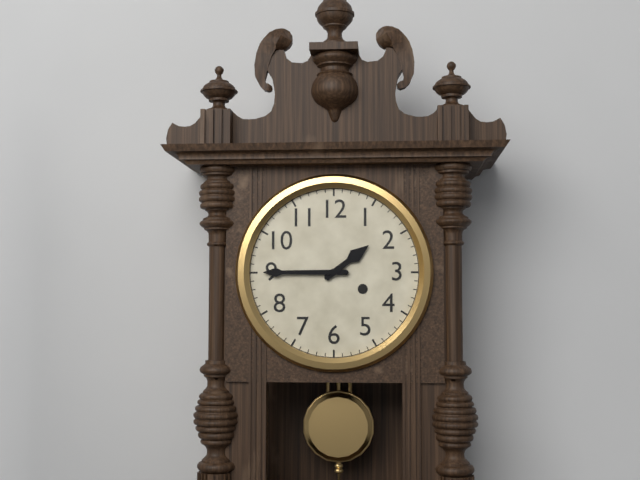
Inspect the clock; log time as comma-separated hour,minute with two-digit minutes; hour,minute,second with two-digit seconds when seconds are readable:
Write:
1,45
